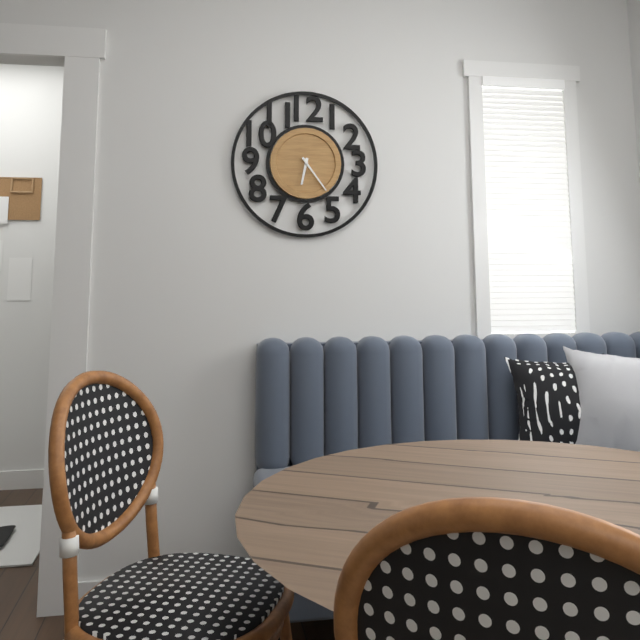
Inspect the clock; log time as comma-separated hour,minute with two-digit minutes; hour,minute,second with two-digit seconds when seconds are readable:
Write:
6,24
